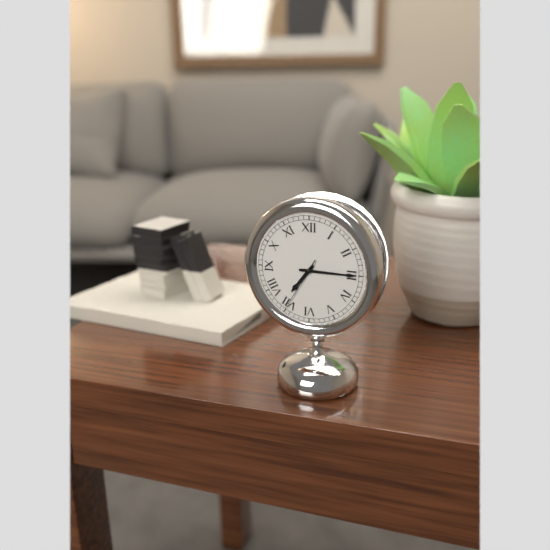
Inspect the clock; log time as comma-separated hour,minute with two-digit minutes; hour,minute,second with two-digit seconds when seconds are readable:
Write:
7,15,35
